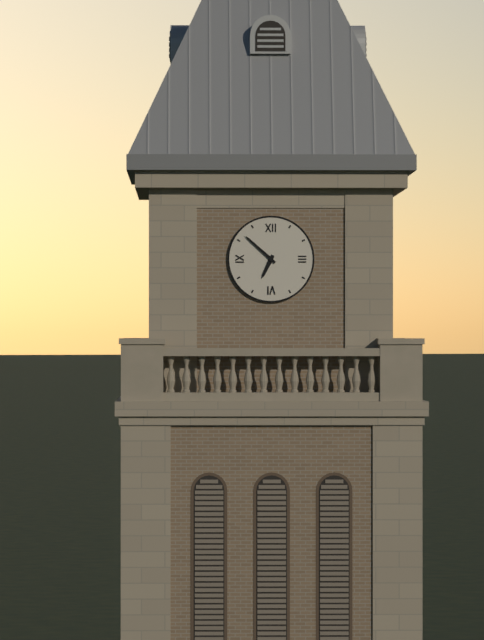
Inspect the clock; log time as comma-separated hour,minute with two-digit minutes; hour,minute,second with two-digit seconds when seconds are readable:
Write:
6,52
